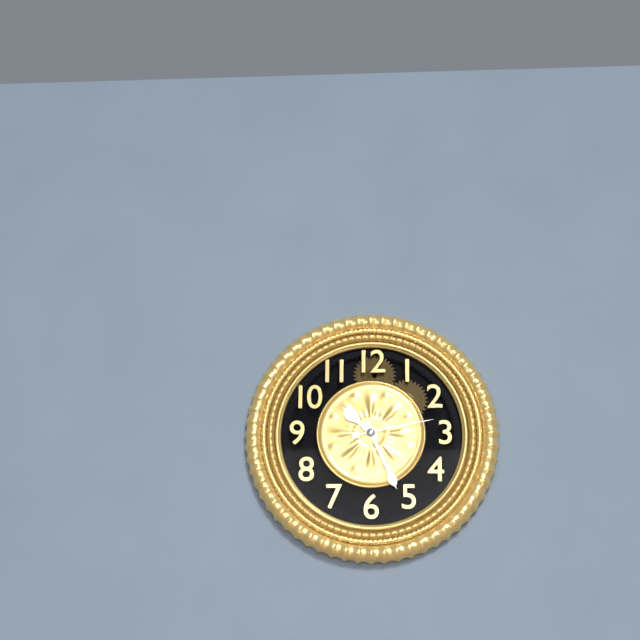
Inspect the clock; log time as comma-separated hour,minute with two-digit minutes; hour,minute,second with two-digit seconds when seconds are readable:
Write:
10,26,13
